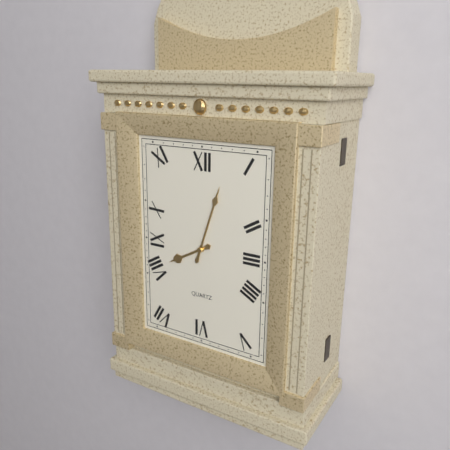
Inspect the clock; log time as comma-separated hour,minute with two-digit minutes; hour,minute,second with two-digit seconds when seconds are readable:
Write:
8,03
